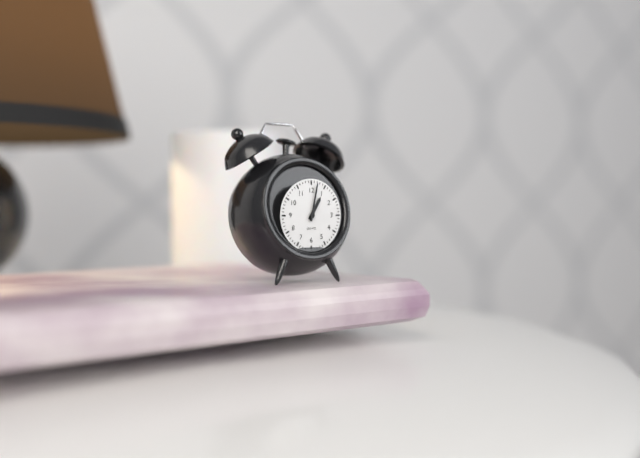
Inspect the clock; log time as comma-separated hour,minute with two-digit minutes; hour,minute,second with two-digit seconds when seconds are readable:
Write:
1,02
